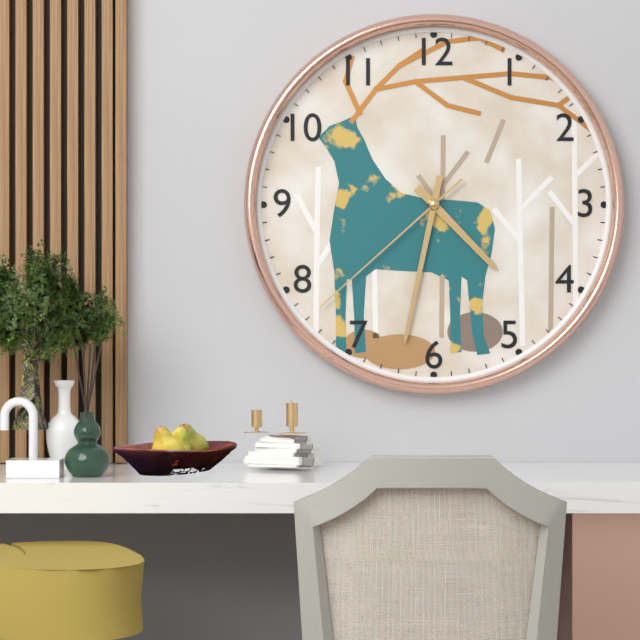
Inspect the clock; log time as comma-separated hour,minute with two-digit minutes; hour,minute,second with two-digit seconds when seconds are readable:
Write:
4,32,38
